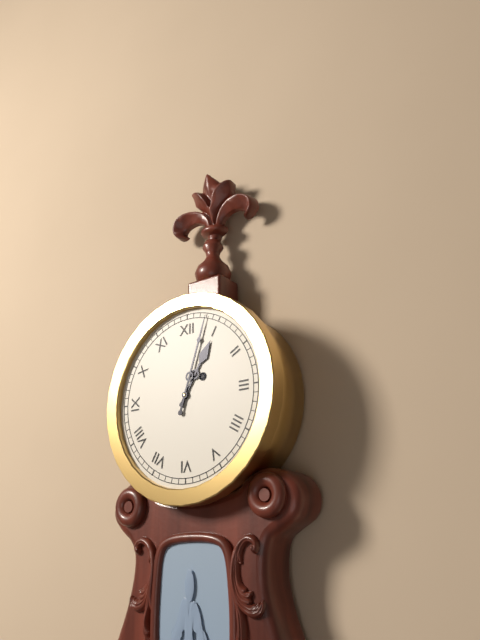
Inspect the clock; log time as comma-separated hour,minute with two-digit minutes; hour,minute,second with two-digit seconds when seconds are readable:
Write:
1,03
